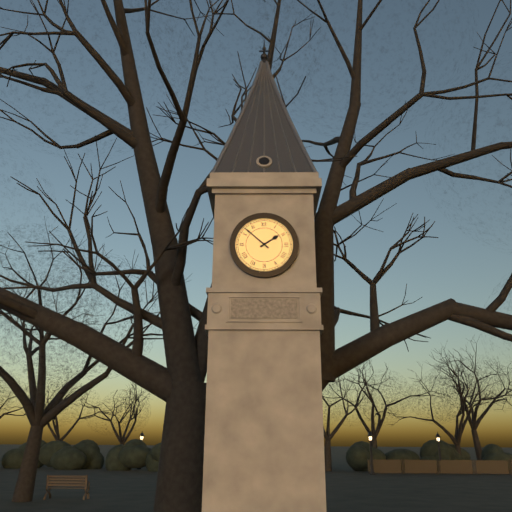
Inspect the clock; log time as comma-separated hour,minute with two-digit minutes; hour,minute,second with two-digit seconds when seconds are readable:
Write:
1,52
